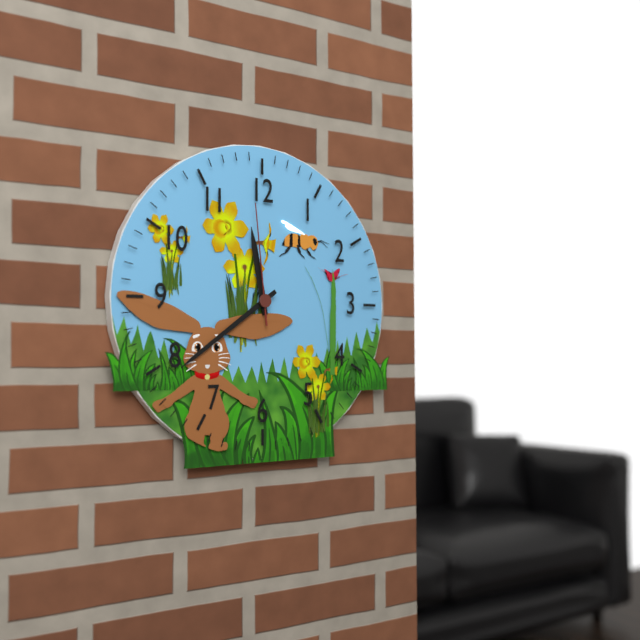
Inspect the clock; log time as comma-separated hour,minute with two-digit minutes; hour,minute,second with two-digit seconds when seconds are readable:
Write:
11,39,59
